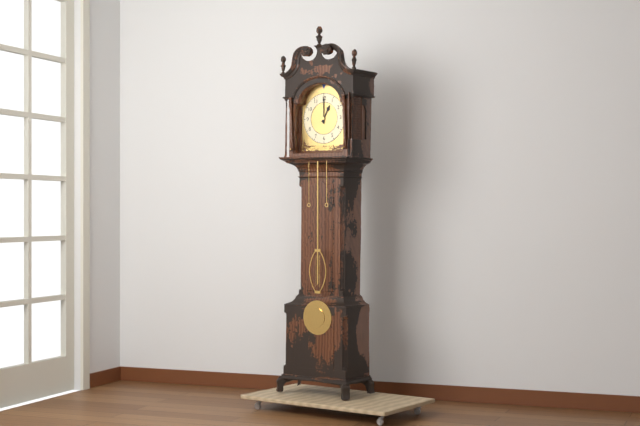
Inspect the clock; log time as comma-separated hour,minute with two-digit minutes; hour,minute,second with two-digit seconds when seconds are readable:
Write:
1,00
